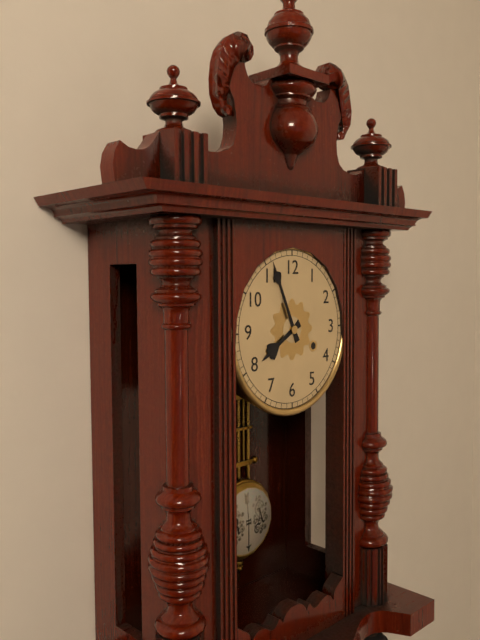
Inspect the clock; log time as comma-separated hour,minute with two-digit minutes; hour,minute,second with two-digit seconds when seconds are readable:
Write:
7,56
